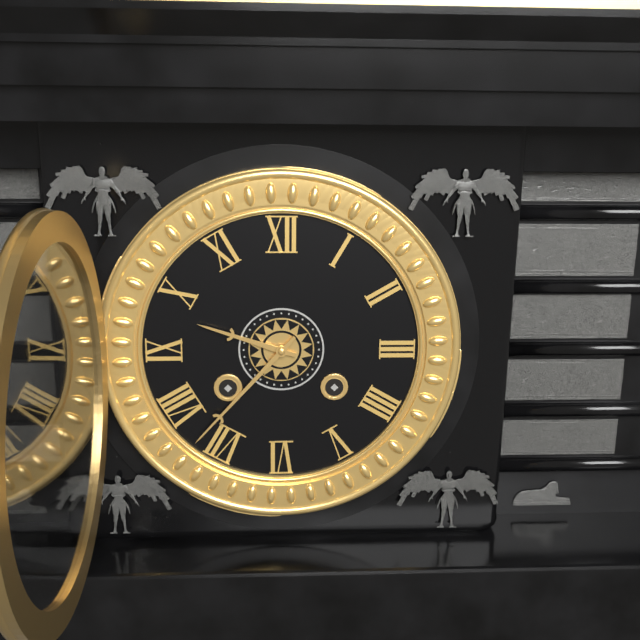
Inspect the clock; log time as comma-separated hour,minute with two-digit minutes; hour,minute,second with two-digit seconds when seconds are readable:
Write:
9,37
